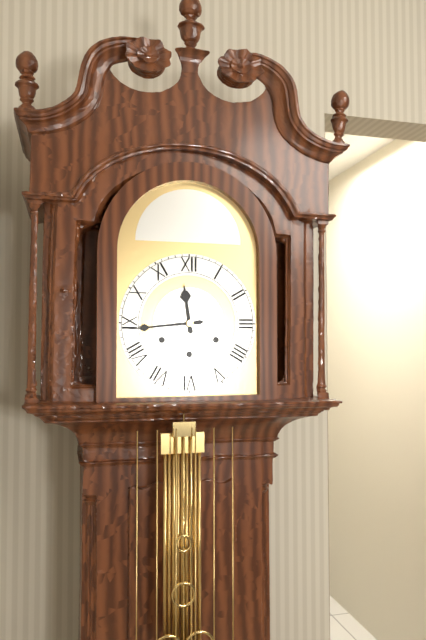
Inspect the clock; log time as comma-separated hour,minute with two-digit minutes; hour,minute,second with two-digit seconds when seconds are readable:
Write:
11,44
